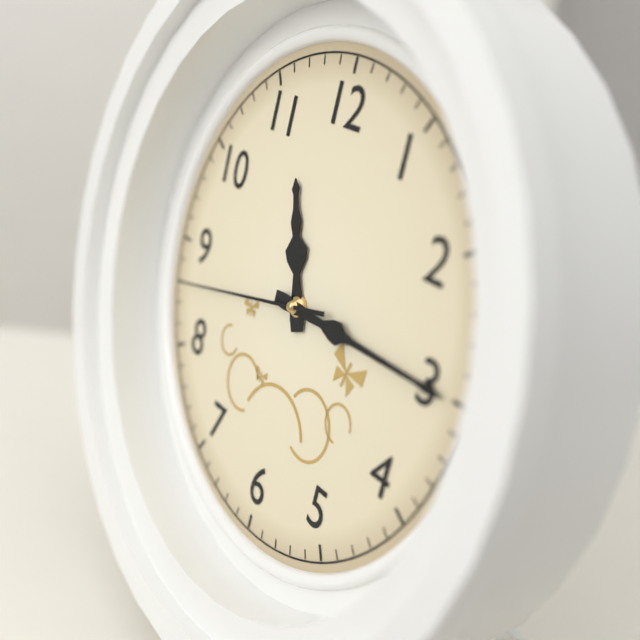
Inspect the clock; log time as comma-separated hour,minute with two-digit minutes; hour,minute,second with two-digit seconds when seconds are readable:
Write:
11,15,43
